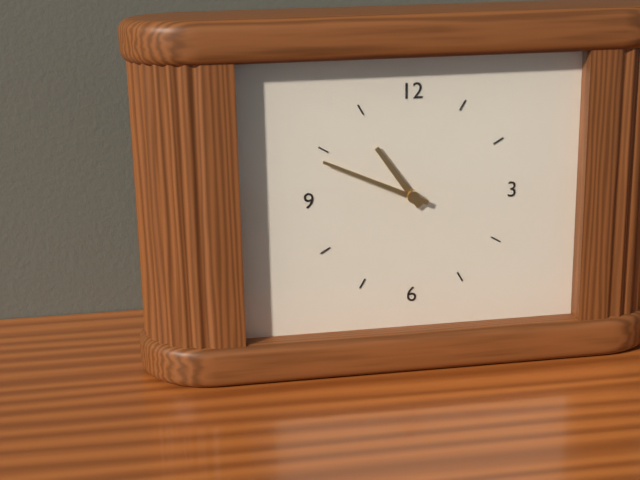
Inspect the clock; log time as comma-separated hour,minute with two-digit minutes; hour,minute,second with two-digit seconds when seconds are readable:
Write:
10,49
